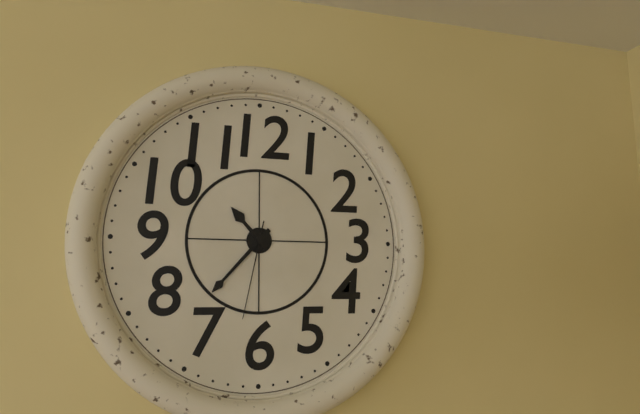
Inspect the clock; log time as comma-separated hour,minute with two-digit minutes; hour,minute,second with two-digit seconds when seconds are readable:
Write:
10,37,32
